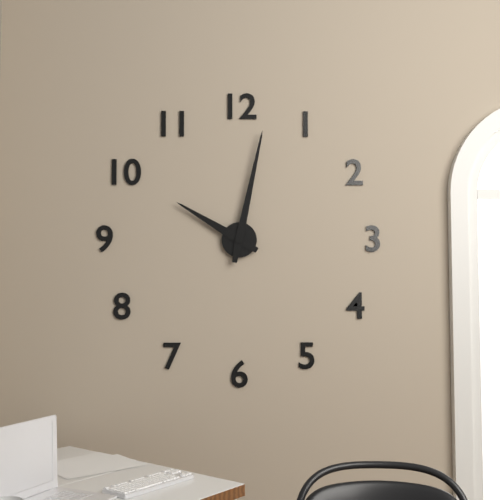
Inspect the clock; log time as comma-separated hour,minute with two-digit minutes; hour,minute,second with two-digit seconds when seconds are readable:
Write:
10,02
